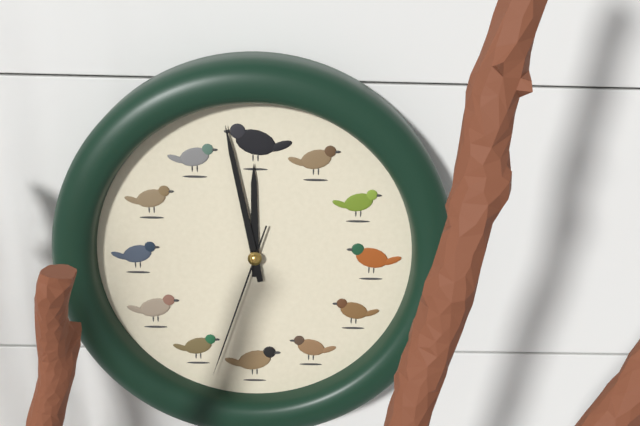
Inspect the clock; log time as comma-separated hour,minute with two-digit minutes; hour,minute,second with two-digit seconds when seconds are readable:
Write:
11,58,33
